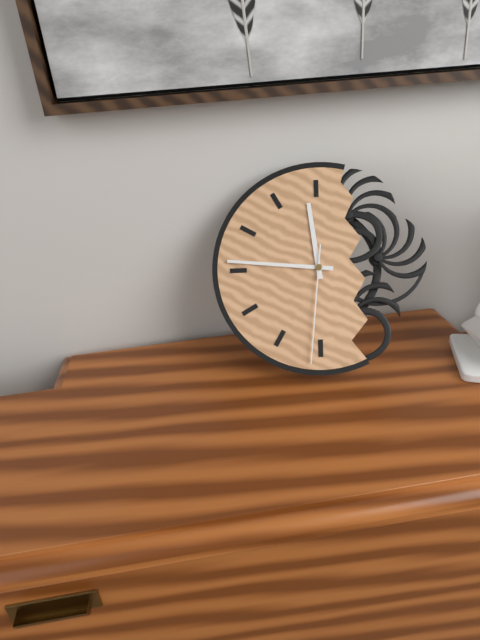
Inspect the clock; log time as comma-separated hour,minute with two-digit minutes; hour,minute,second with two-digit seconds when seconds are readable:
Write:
11,46,31
